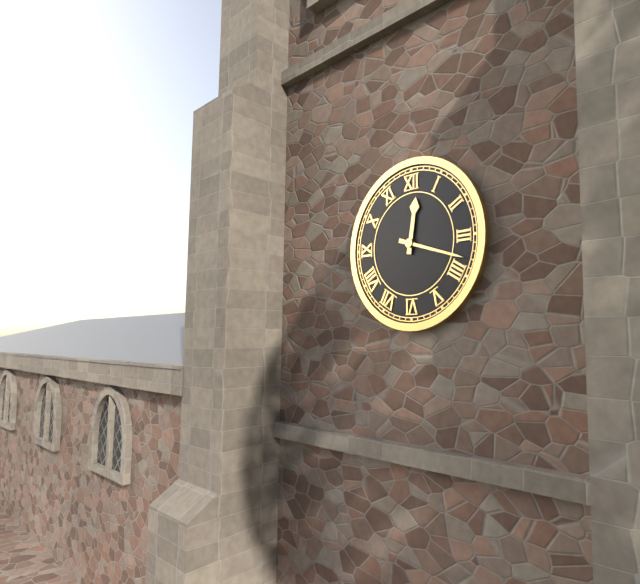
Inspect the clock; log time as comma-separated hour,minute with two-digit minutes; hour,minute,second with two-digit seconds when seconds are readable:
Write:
12,18
